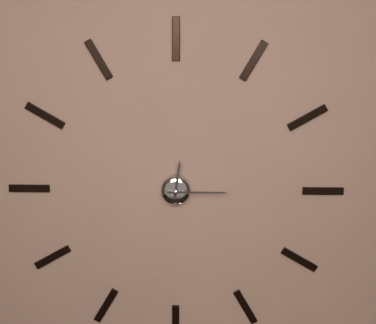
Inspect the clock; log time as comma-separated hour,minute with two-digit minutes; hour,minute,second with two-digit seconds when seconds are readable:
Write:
12,15
